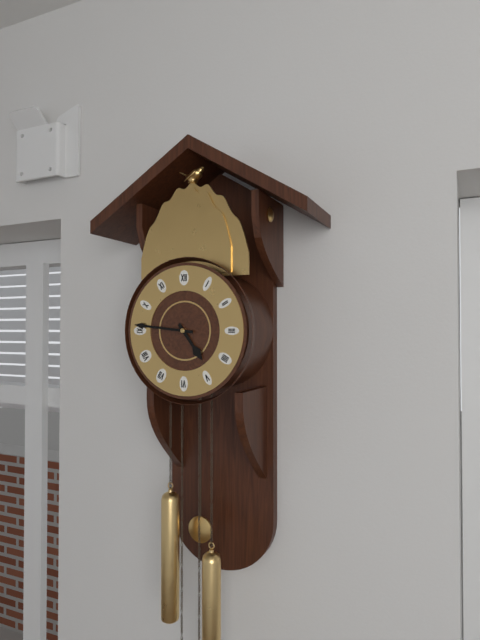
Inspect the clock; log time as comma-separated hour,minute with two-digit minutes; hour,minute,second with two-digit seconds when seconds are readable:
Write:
4,46
